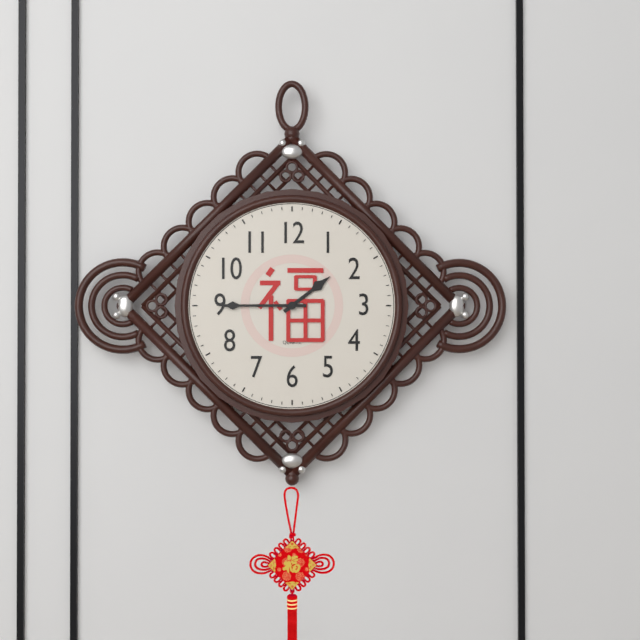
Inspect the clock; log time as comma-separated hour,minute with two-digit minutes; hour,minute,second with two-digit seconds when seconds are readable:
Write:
1,45
